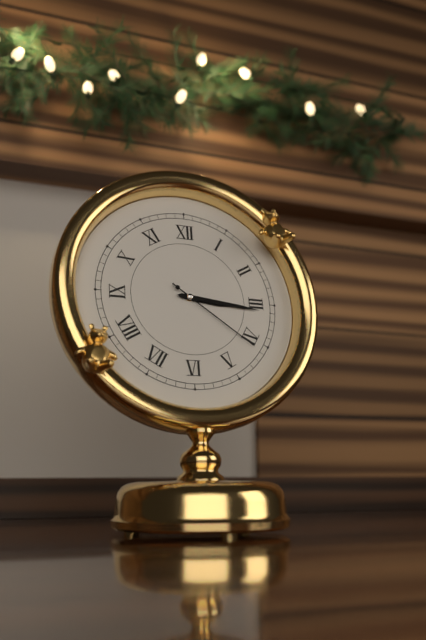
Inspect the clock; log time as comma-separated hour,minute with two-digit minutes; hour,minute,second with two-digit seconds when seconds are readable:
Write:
3,16,21
